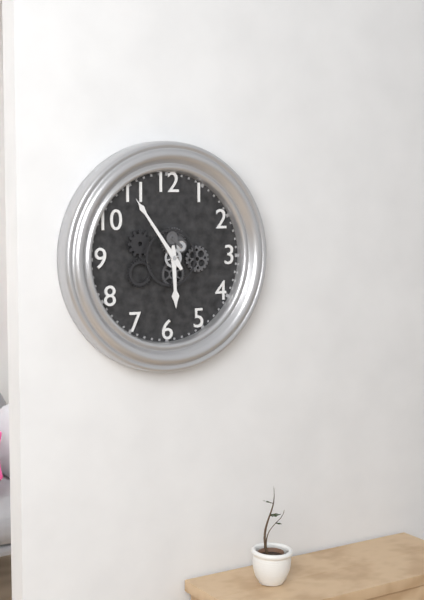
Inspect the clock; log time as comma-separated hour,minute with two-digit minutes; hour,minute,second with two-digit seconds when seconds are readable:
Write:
5,54
